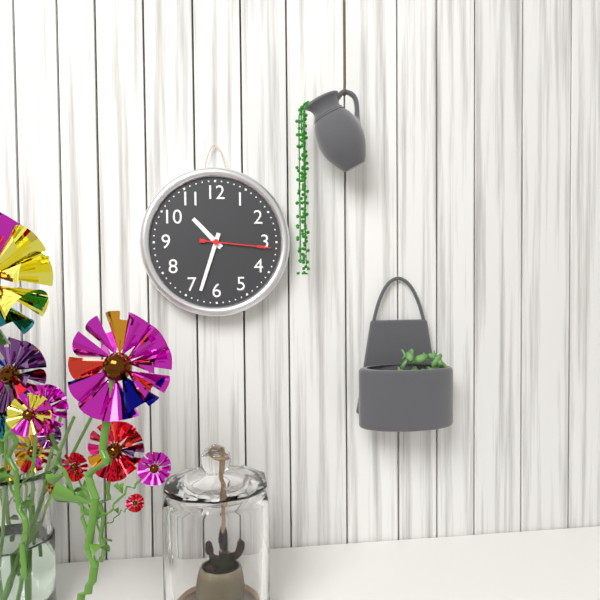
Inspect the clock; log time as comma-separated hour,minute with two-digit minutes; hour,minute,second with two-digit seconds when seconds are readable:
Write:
10,33,16
